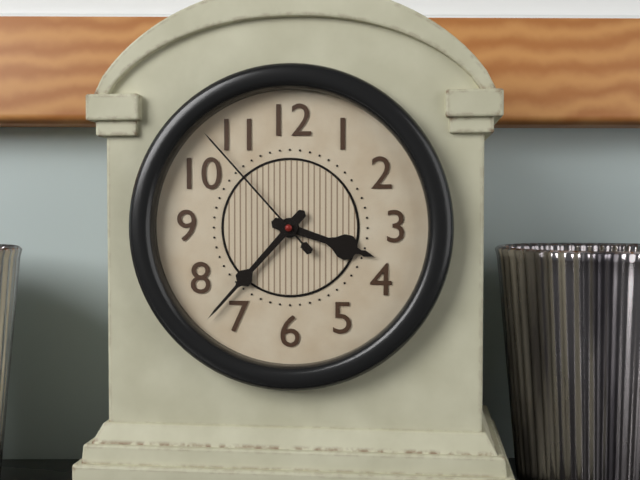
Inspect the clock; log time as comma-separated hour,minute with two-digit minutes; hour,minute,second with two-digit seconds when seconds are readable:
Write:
3,37,53
